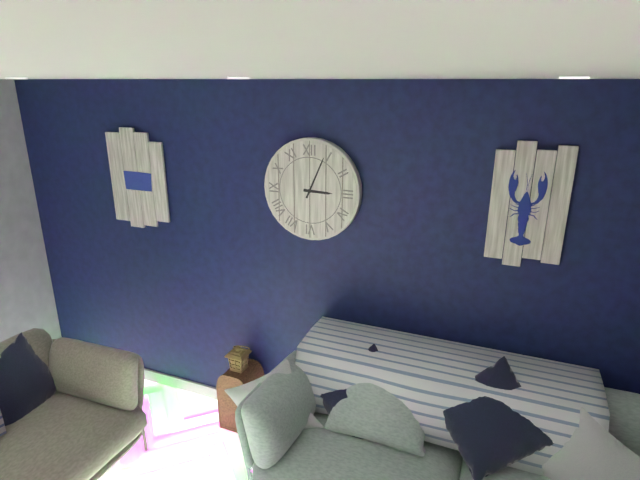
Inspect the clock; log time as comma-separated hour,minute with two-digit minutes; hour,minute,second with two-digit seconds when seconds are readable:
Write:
3,04
